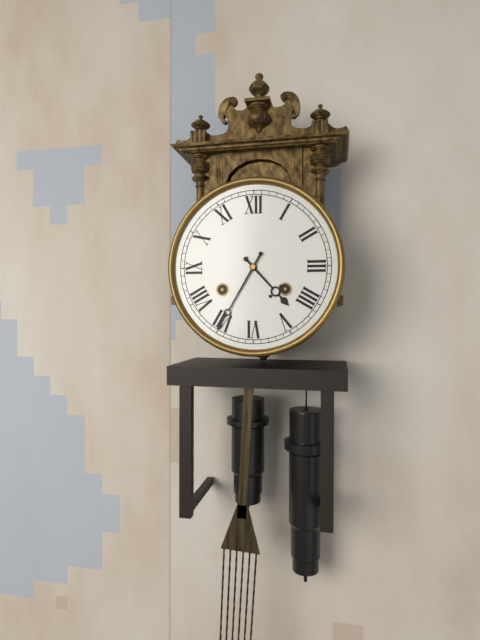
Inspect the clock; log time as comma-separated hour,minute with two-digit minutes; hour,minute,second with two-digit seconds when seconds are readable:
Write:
4,35
